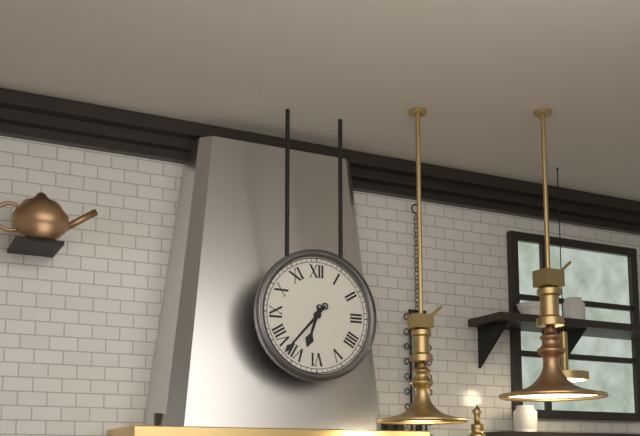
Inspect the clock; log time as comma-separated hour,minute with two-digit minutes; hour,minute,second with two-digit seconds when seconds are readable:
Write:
6,37
